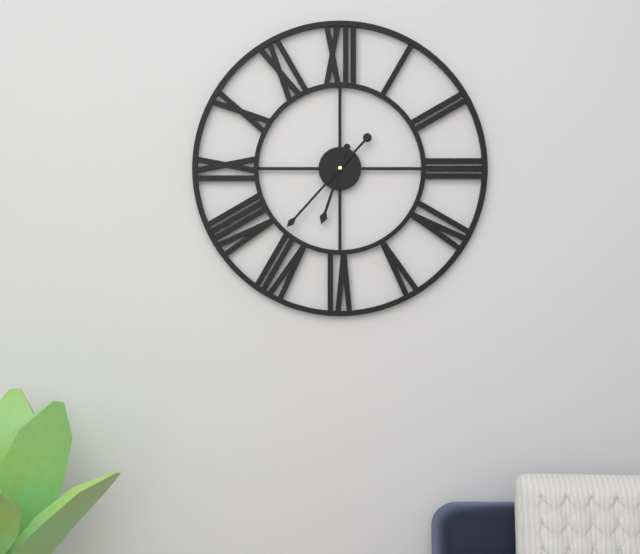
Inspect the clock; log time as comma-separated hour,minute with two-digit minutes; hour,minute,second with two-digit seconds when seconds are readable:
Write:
6,37
